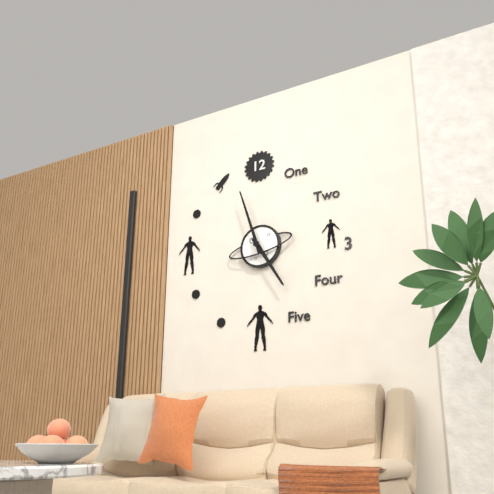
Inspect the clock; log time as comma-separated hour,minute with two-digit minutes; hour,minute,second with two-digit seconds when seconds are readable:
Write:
4,57
